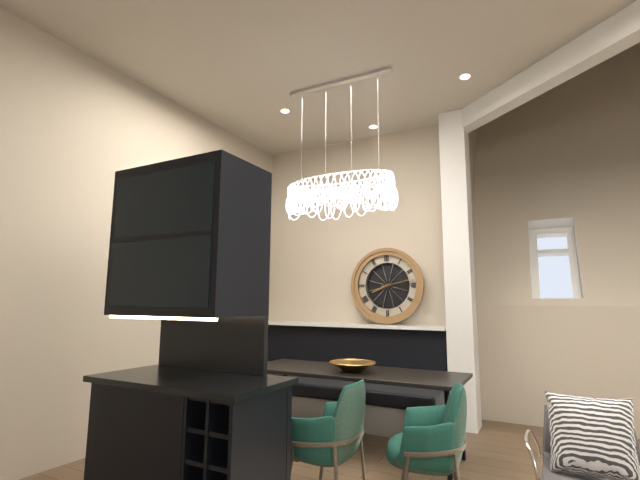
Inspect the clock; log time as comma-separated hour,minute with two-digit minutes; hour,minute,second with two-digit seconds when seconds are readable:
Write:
8,13
